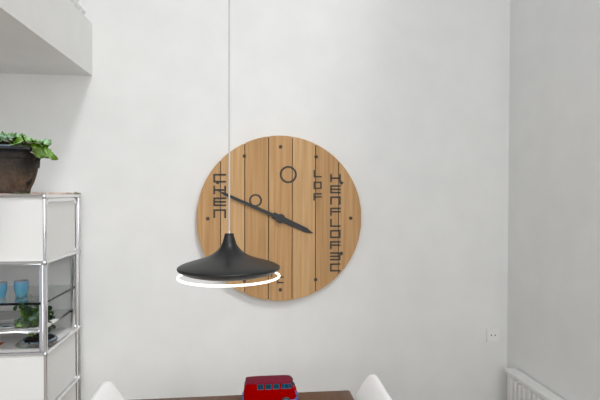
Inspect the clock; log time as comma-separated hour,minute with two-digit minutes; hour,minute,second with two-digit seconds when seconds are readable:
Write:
3,49
